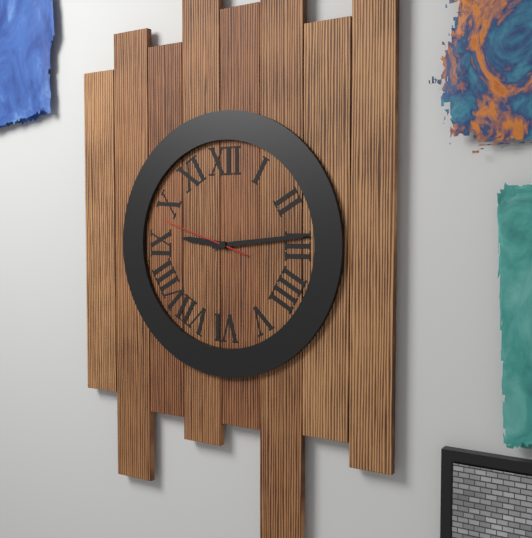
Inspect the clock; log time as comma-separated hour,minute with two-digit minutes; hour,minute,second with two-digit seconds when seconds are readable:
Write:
9,14,48
